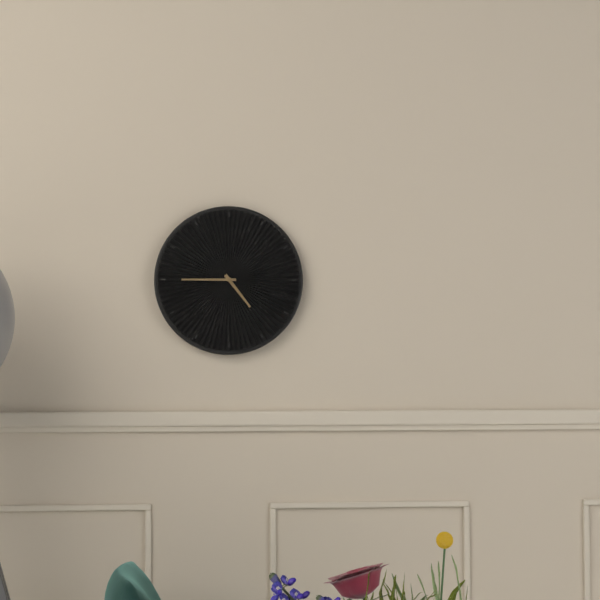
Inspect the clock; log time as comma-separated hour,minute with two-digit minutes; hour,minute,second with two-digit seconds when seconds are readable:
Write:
4,45
